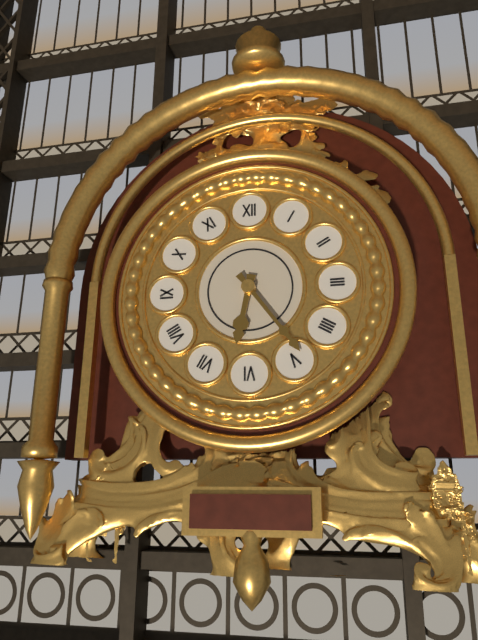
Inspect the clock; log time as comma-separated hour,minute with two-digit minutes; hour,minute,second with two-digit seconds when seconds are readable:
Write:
6,24
